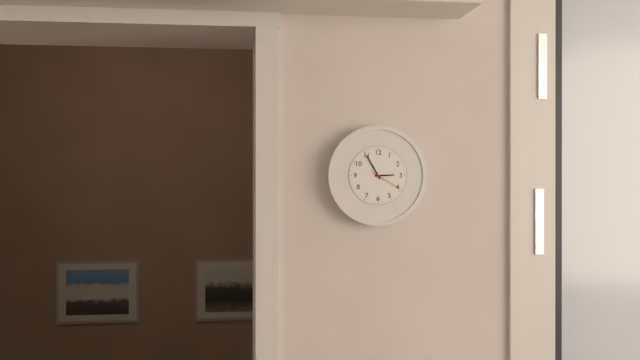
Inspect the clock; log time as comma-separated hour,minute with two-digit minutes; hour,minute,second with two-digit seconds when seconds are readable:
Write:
2,55
